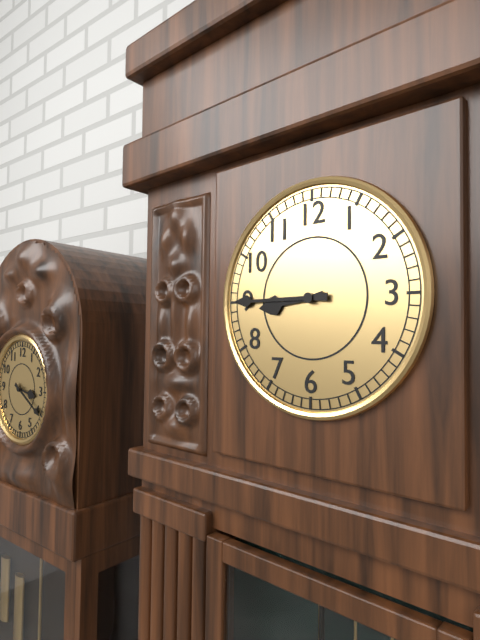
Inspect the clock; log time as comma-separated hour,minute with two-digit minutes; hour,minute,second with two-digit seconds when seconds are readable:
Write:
8,45
